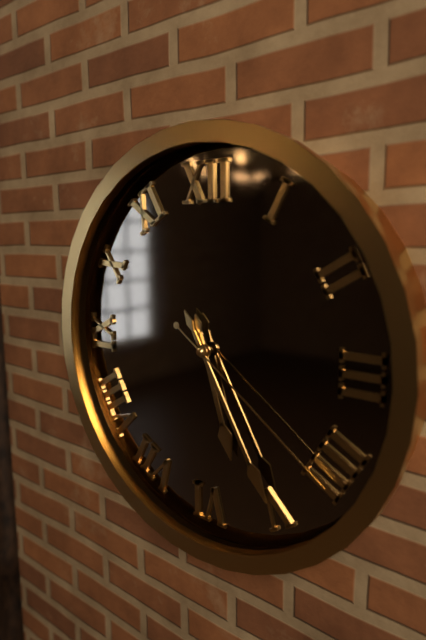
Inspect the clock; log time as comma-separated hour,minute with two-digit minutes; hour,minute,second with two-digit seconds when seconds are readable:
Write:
5,25,21
